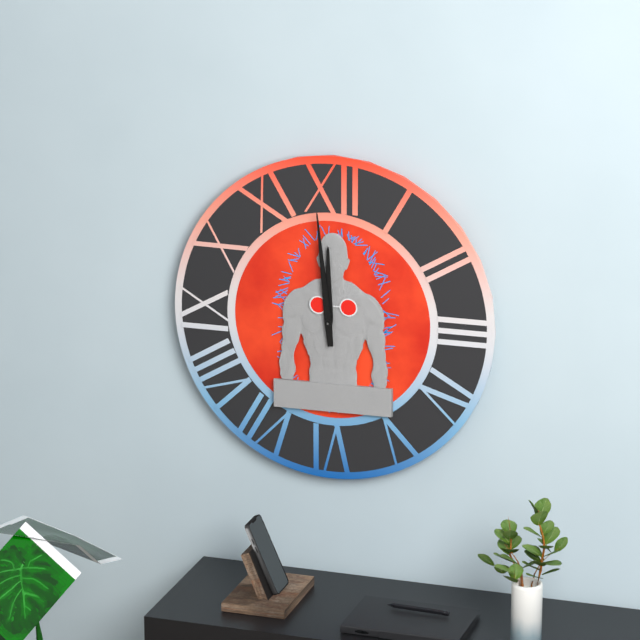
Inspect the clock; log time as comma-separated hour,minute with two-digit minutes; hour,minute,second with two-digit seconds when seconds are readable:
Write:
11,59
